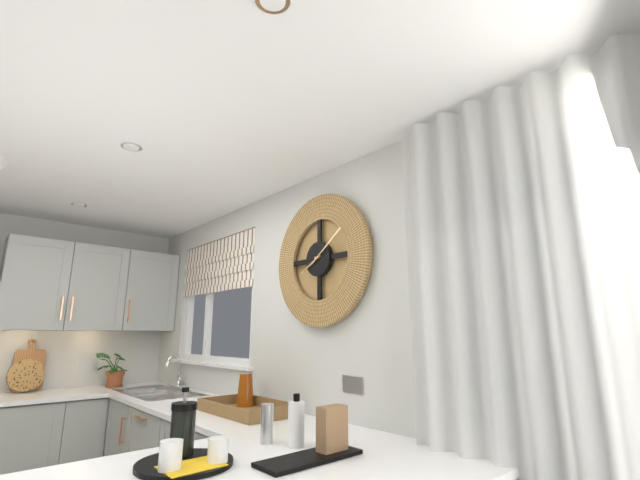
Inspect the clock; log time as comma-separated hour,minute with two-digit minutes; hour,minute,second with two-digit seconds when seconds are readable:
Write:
8,09
